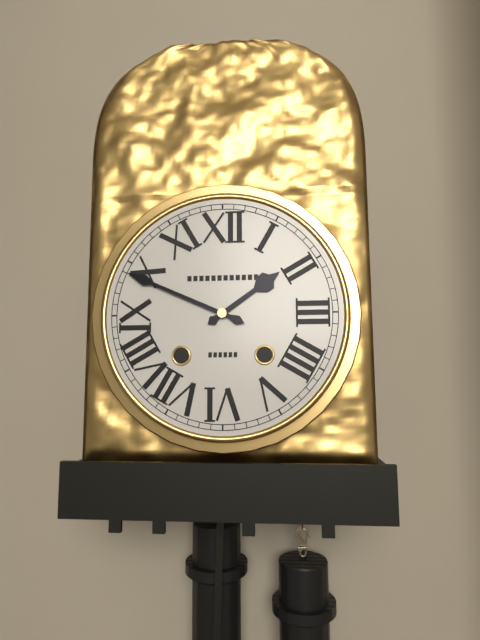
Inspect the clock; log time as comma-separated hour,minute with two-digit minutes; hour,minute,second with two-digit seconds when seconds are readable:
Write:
1,49
